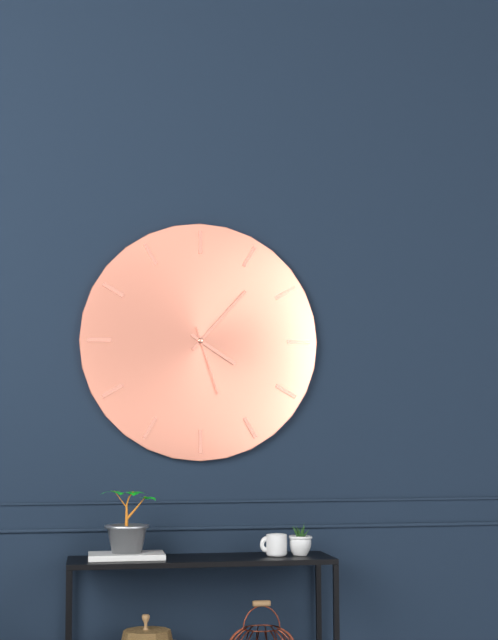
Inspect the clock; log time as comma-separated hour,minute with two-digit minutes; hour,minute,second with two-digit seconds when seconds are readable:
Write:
4,07,27
